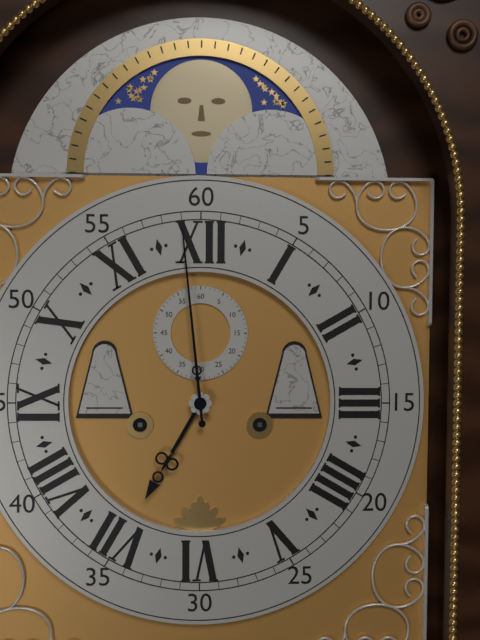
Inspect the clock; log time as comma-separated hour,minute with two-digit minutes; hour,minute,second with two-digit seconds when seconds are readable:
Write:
6,59
